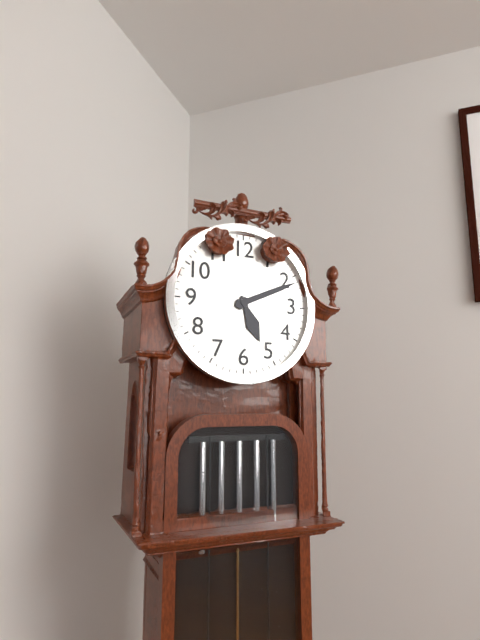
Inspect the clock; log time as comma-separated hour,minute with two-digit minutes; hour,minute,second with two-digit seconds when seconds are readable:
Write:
5,11
